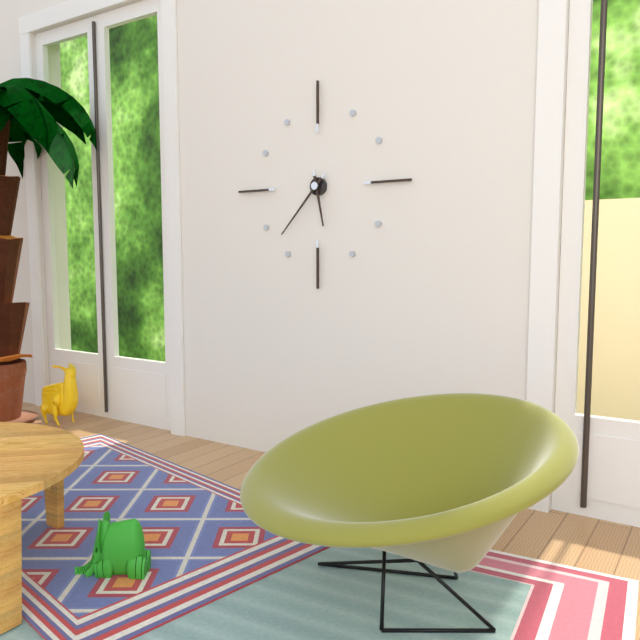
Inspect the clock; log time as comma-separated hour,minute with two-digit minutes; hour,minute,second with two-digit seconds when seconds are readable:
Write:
5,37
